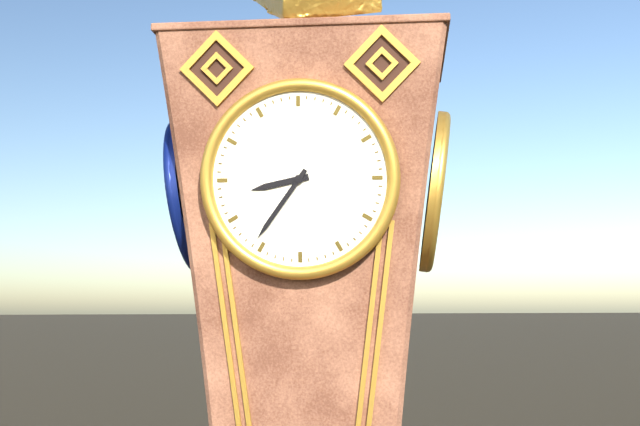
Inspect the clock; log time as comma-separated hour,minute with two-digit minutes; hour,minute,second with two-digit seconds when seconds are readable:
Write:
8,36
